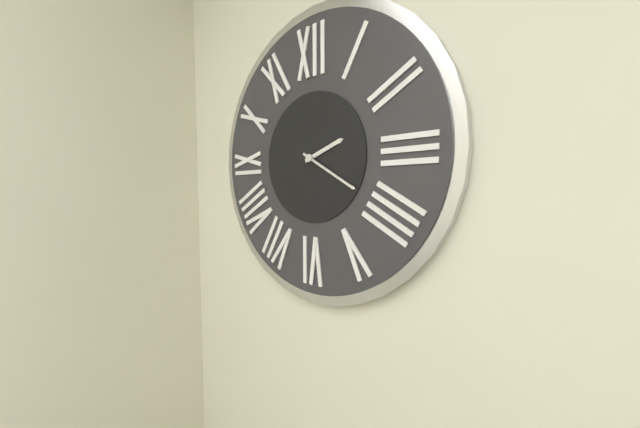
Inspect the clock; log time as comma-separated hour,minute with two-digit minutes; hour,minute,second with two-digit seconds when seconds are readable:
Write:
2,20
